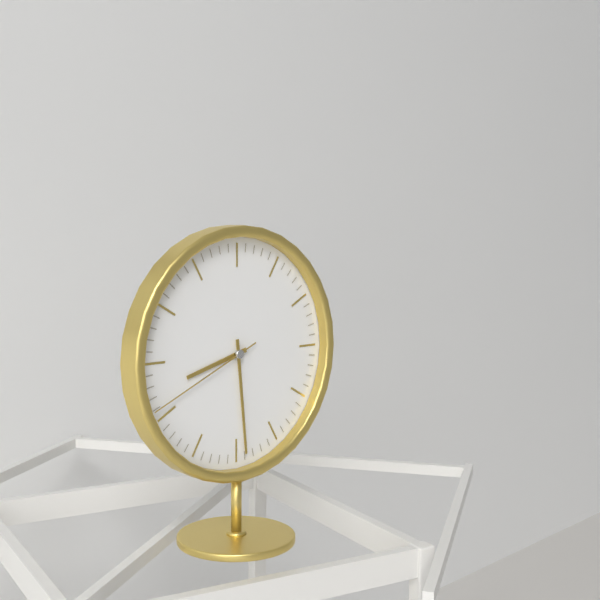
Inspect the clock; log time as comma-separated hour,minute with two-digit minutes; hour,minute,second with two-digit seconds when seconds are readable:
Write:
8,29,41
